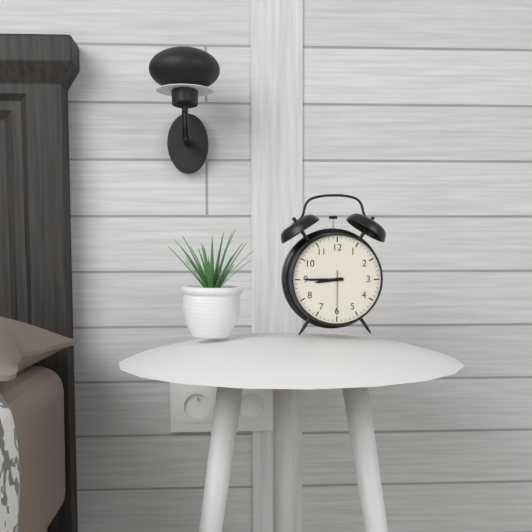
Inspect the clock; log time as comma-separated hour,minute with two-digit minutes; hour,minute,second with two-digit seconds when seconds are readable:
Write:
8,45
